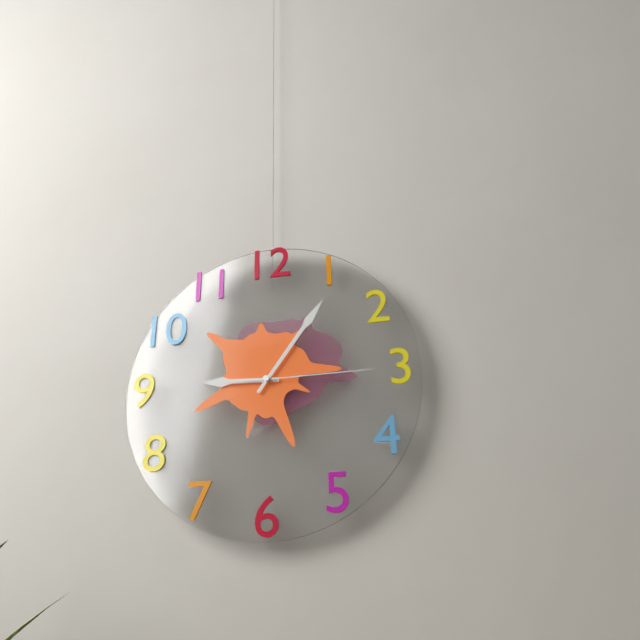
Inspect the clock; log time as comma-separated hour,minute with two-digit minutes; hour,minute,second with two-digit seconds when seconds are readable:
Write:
9,06,15
